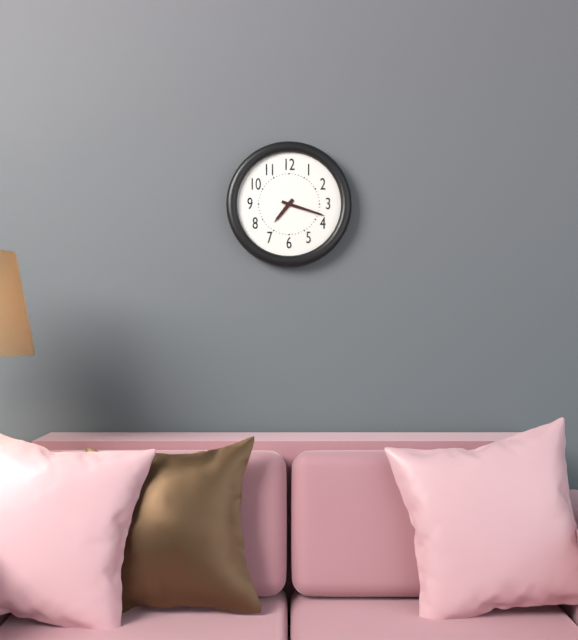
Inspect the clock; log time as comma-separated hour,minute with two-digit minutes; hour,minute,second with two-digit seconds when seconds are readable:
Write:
7,18
